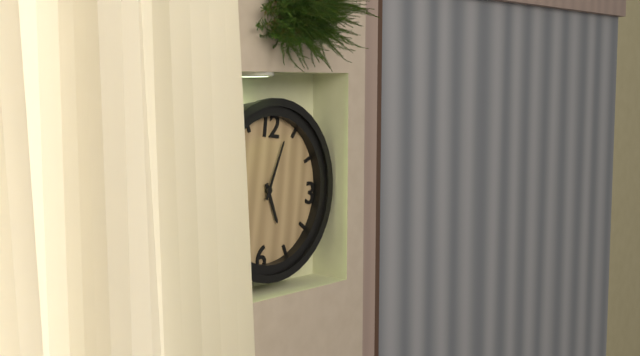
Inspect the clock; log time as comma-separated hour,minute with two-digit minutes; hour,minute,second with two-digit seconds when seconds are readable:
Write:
5,03
